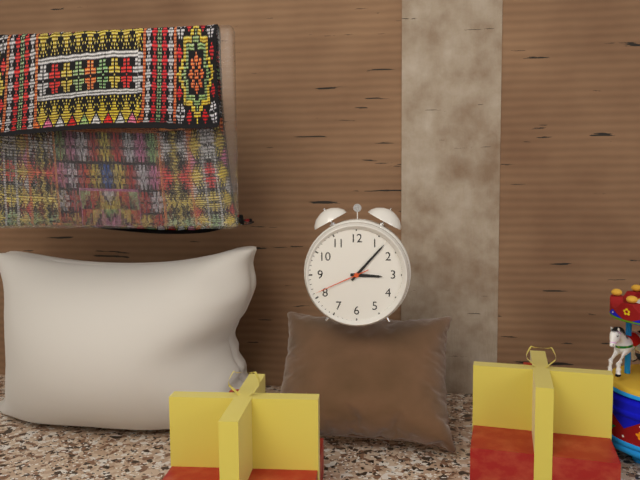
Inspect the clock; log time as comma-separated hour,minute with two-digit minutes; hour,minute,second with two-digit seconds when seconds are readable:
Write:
3,07,41
